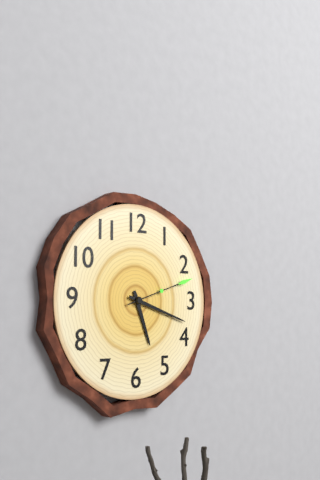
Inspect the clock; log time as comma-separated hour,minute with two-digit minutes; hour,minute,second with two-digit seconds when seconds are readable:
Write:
5,18,12
